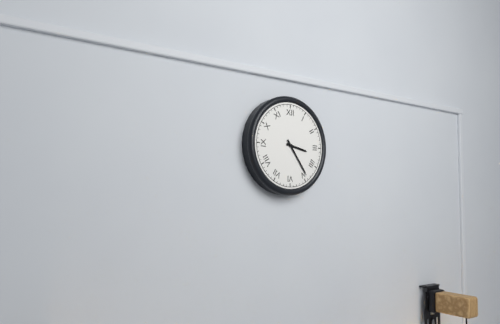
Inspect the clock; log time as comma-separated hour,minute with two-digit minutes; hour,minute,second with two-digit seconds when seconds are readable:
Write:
3,24
